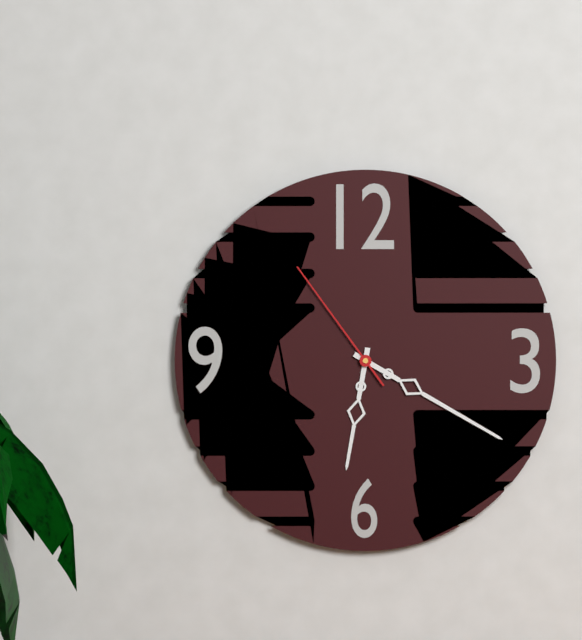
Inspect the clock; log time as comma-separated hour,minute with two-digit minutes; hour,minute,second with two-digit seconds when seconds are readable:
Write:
6,20,54
